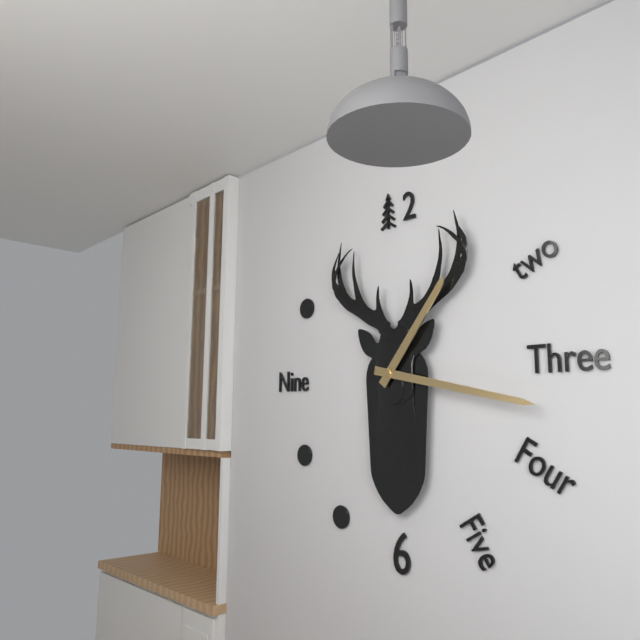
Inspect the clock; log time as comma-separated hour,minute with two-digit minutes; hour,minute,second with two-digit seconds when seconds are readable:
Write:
1,17
